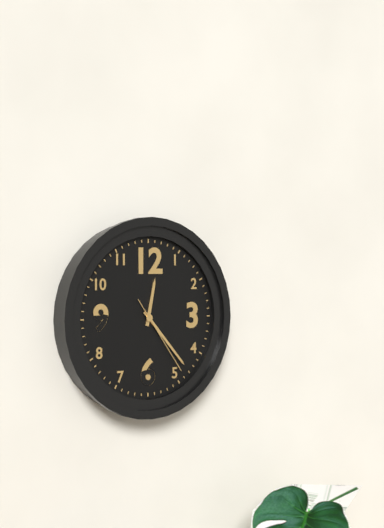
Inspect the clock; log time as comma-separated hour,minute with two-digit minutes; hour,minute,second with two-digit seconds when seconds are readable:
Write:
12,23,24
